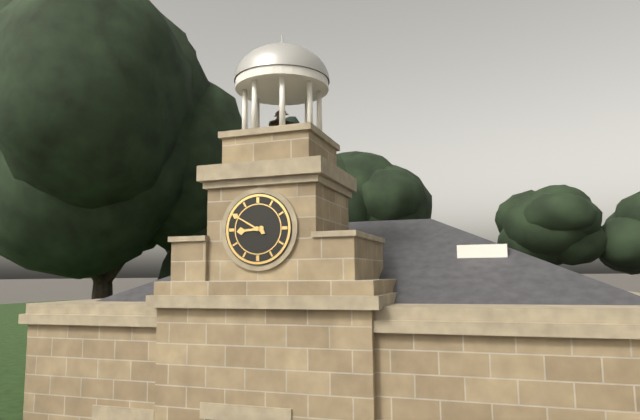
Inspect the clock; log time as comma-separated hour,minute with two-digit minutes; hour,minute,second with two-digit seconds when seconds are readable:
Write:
8,50
